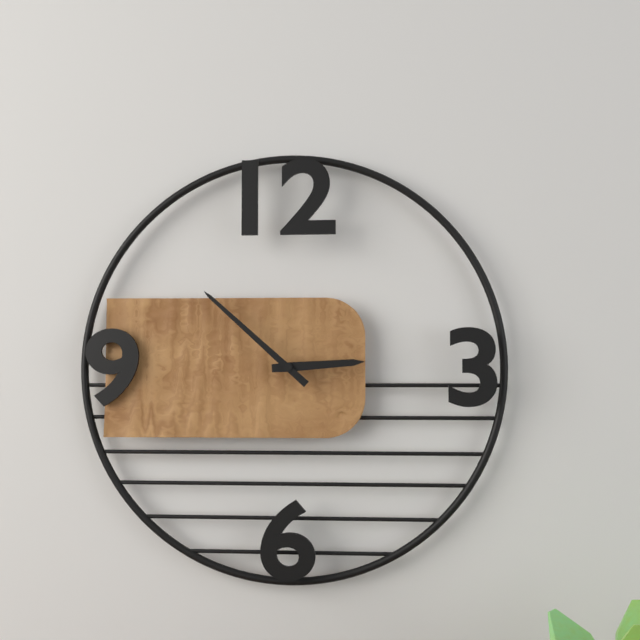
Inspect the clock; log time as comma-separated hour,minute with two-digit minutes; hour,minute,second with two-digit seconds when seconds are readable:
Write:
2,52
